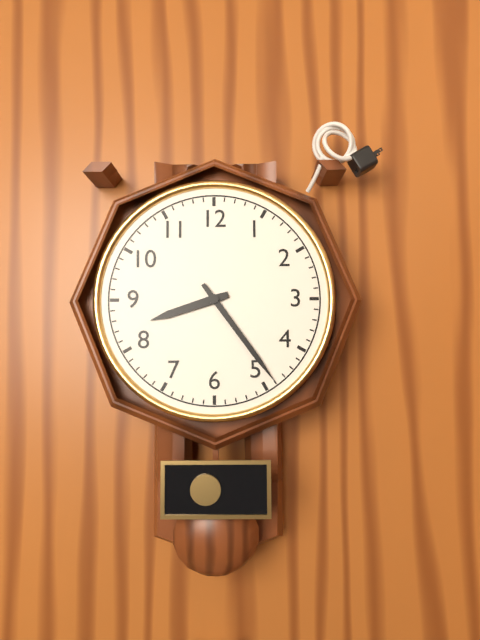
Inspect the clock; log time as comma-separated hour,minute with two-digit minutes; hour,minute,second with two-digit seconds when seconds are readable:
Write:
8,24
